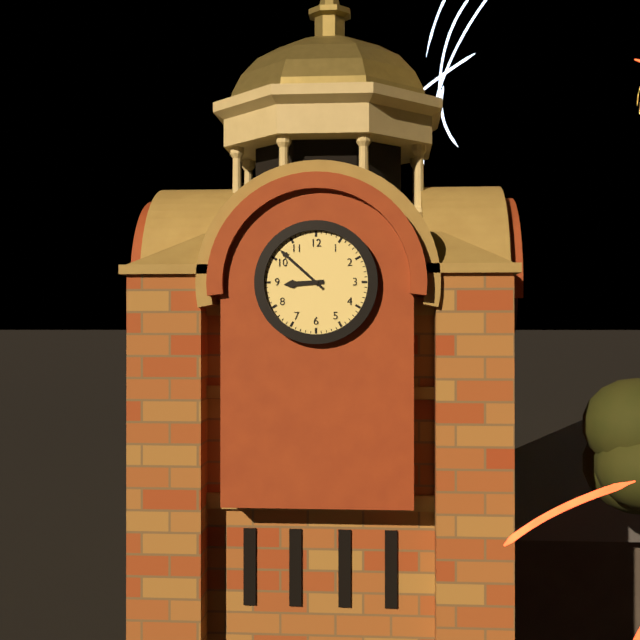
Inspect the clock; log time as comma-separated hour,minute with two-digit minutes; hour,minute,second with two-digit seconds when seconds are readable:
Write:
8,52
